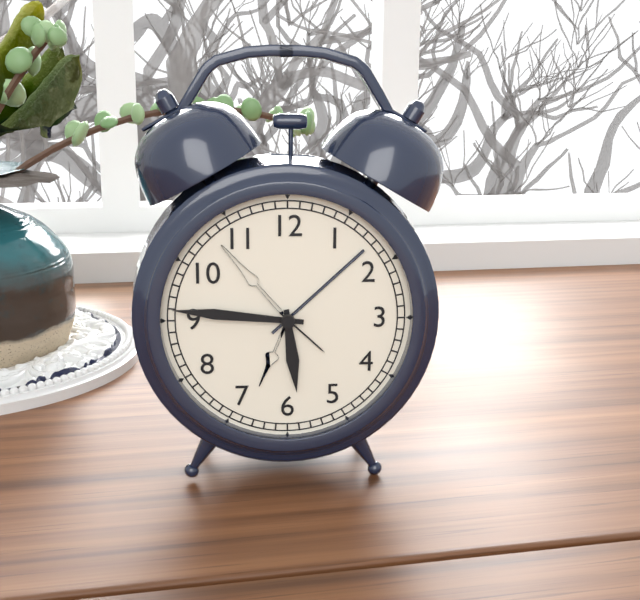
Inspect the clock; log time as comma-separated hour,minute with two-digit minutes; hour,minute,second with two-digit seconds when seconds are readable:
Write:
5,46
